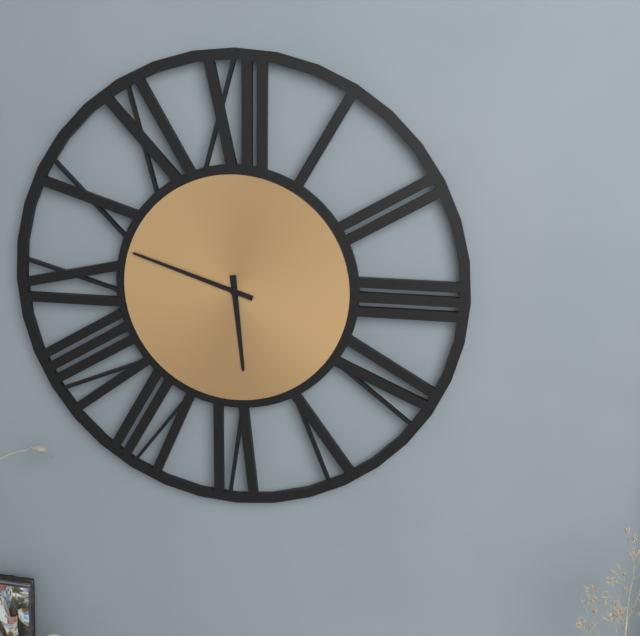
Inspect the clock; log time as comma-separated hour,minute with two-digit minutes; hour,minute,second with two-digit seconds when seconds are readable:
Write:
5,48
